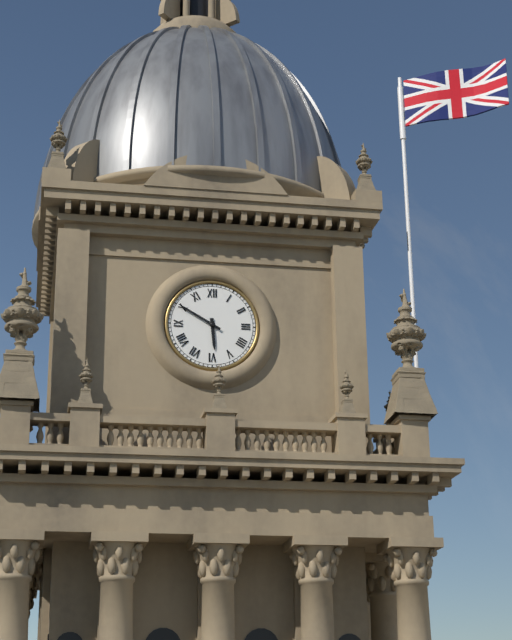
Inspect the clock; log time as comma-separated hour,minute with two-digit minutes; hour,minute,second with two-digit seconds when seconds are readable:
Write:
5,50
